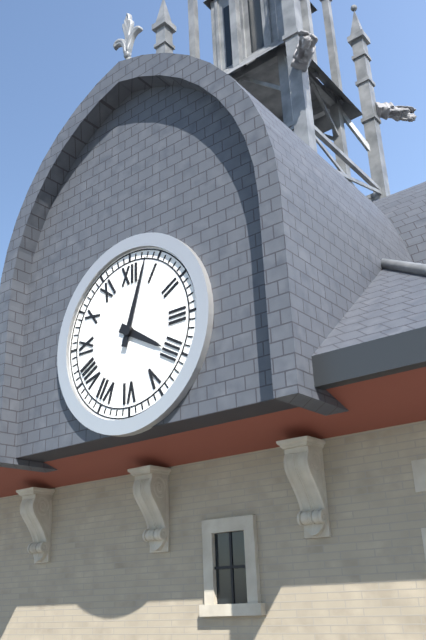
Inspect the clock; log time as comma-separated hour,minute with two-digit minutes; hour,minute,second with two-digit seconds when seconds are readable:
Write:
4,03
